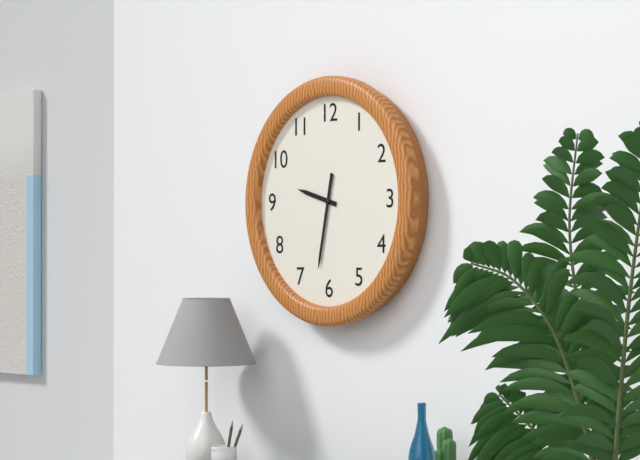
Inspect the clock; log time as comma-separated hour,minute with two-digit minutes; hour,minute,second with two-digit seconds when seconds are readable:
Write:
9,32
